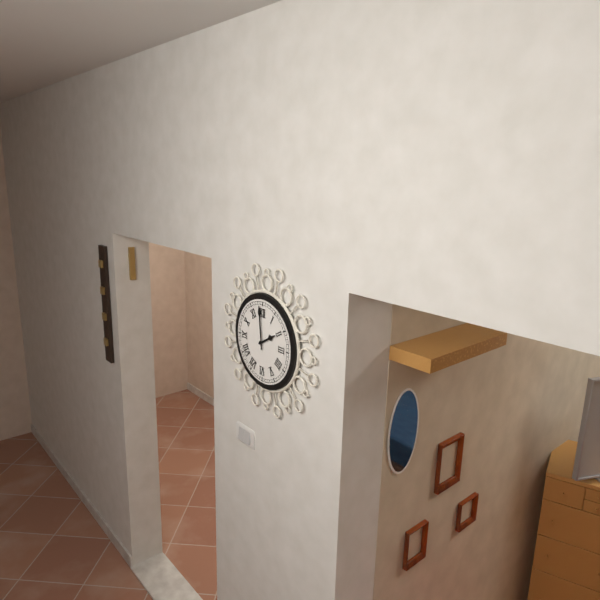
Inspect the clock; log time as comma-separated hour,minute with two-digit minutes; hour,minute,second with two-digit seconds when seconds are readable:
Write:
1,59
